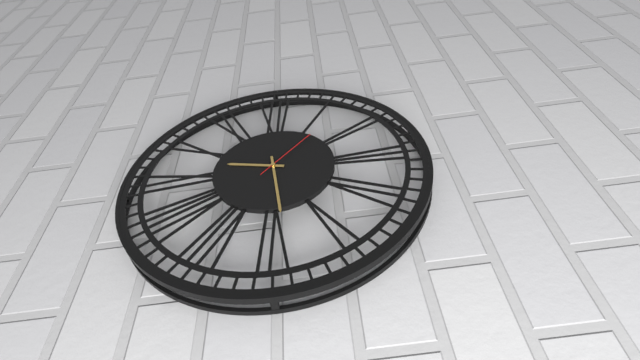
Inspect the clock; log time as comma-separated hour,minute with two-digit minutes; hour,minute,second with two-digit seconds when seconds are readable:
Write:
9,29,07
